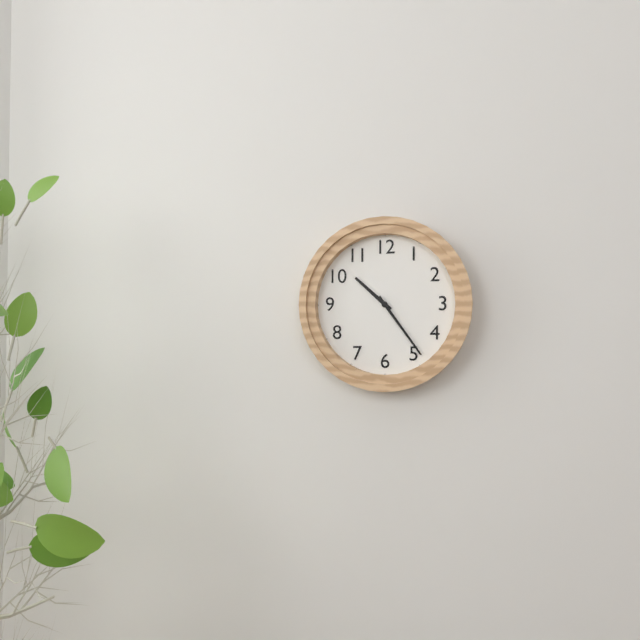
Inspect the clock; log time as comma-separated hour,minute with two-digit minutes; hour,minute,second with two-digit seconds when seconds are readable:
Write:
10,24
